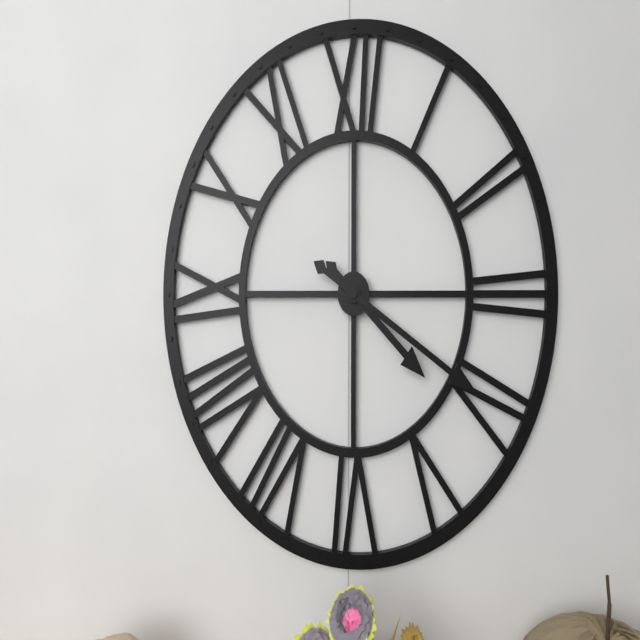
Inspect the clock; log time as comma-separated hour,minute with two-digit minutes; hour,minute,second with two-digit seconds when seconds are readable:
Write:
4,20
